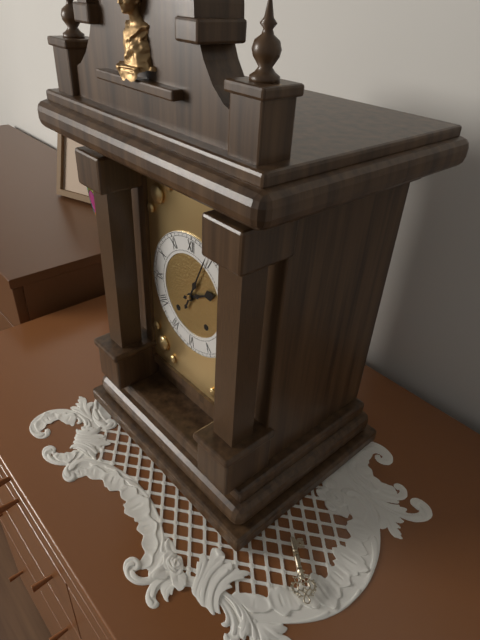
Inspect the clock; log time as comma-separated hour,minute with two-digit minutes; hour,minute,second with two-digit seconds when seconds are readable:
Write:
2,04
